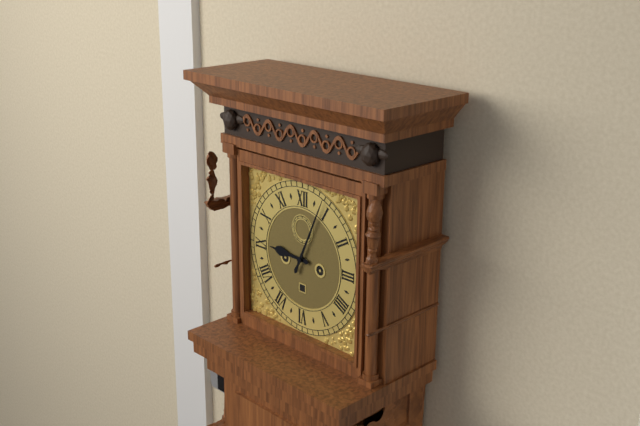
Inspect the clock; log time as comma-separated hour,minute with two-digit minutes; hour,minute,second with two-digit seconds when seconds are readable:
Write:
9,04
